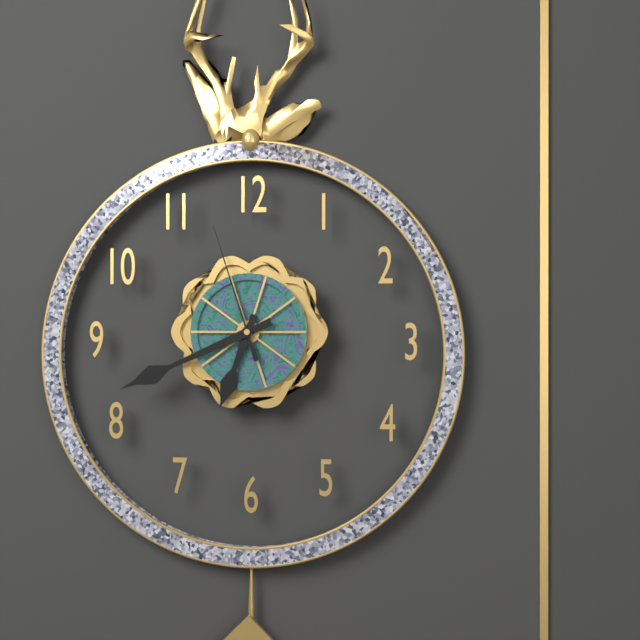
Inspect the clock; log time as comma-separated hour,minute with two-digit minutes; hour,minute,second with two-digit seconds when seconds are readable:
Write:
6,41,57
